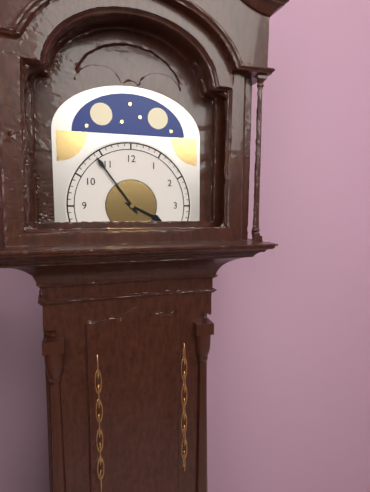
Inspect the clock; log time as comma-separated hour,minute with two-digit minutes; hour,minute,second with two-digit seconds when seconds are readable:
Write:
3,54
